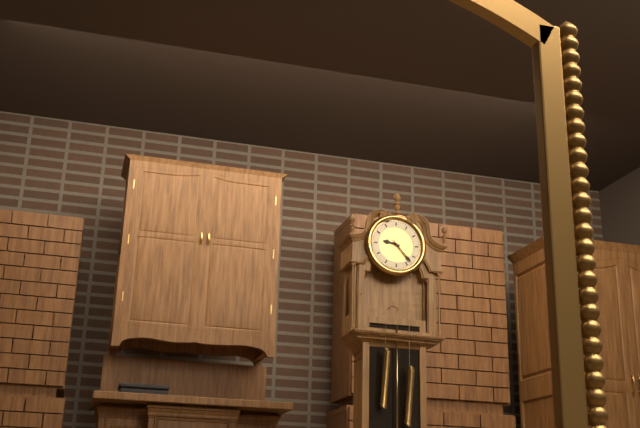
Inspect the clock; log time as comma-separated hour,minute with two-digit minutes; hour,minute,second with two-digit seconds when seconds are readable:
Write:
9,23
